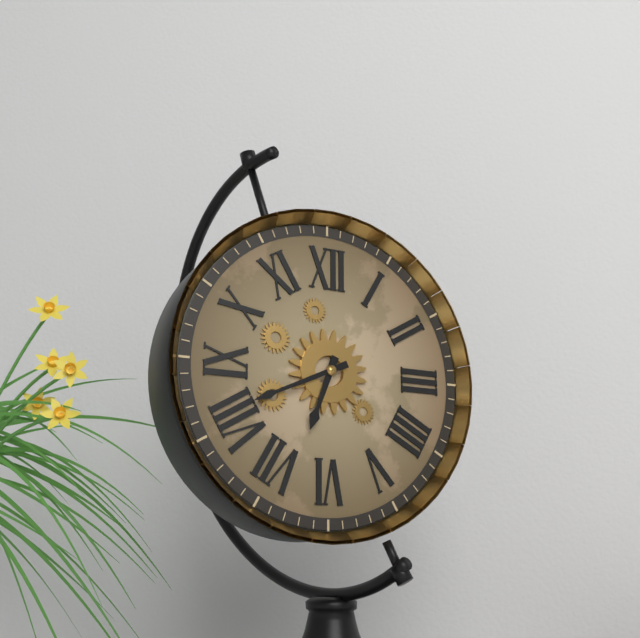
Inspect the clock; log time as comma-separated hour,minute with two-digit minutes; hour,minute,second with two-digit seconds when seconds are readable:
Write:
6,41
